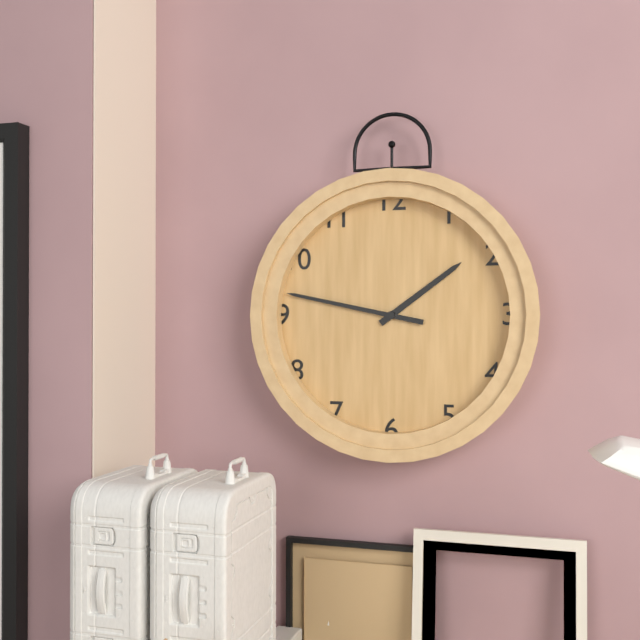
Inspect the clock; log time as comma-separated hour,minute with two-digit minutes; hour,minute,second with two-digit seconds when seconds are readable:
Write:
1,47
